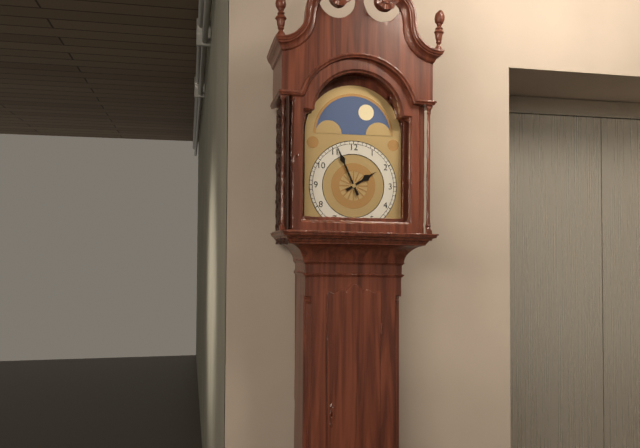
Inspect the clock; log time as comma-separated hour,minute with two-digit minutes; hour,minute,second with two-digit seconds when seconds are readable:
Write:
1,56
